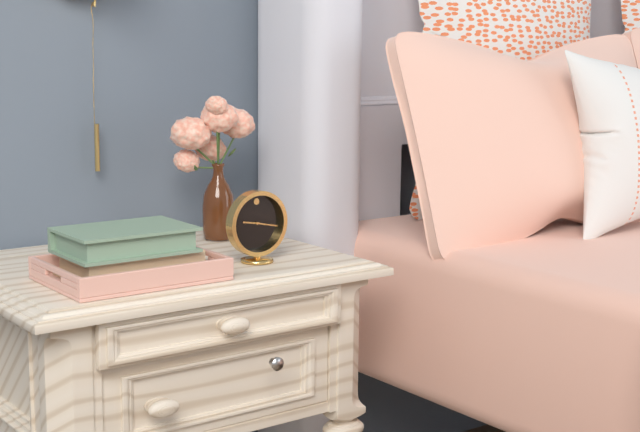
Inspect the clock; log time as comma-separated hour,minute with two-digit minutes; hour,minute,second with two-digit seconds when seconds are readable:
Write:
9,17
